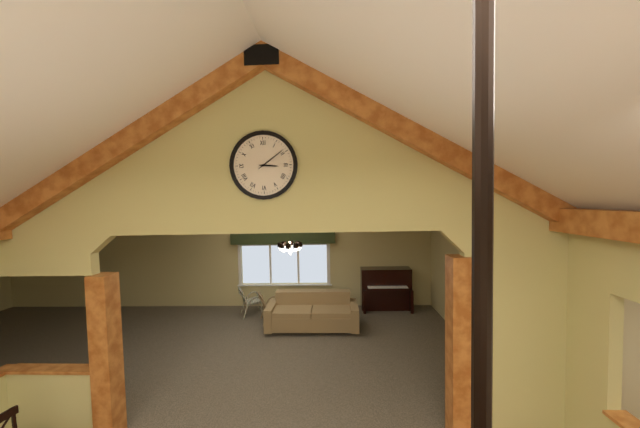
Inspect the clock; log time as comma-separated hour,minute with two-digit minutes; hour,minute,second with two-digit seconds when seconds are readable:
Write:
3,09
